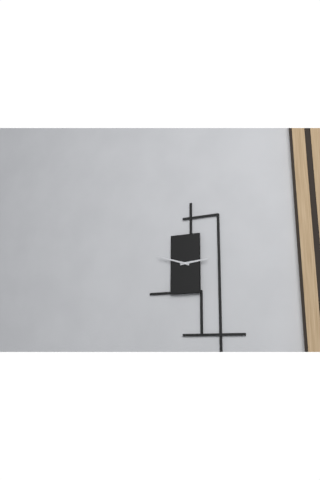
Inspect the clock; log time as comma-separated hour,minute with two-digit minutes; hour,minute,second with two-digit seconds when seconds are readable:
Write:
2,48
